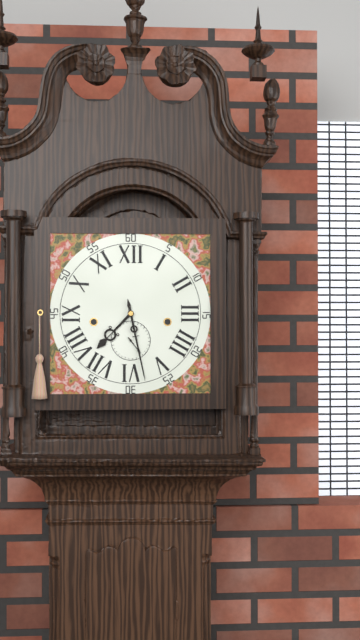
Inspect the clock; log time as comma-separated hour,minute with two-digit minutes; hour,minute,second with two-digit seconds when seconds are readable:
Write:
7,28
